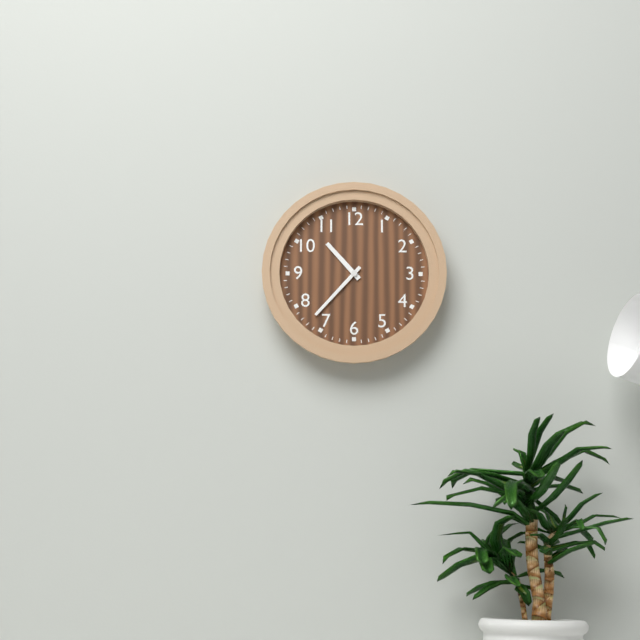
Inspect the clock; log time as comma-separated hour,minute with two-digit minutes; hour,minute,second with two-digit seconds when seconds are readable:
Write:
10,37
